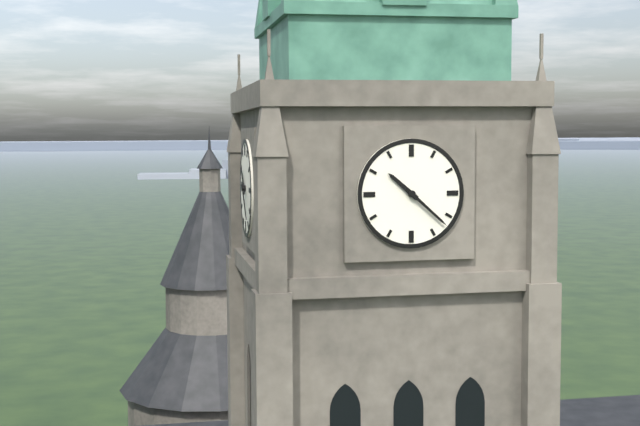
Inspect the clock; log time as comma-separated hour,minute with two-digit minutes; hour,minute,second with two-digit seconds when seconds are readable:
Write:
10,22
